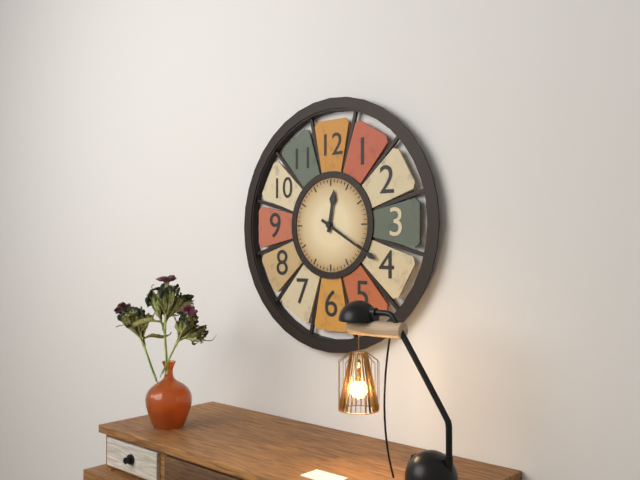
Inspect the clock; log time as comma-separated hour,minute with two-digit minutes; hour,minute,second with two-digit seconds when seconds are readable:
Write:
12,20
